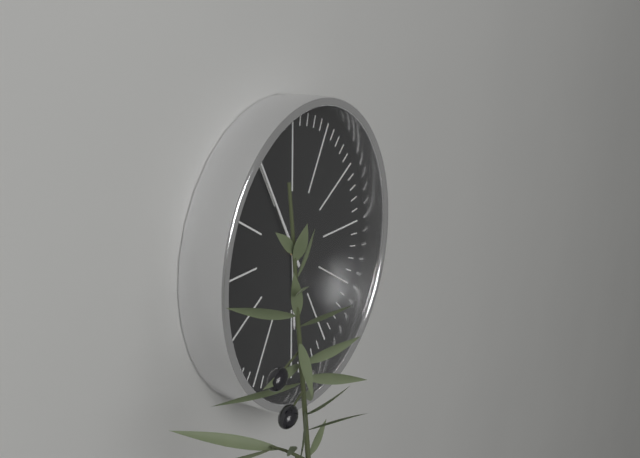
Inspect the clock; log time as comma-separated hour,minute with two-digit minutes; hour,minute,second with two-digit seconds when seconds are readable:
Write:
5,55
